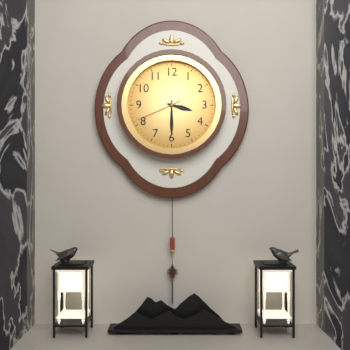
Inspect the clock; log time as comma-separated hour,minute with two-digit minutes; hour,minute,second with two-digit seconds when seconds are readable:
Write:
3,30
